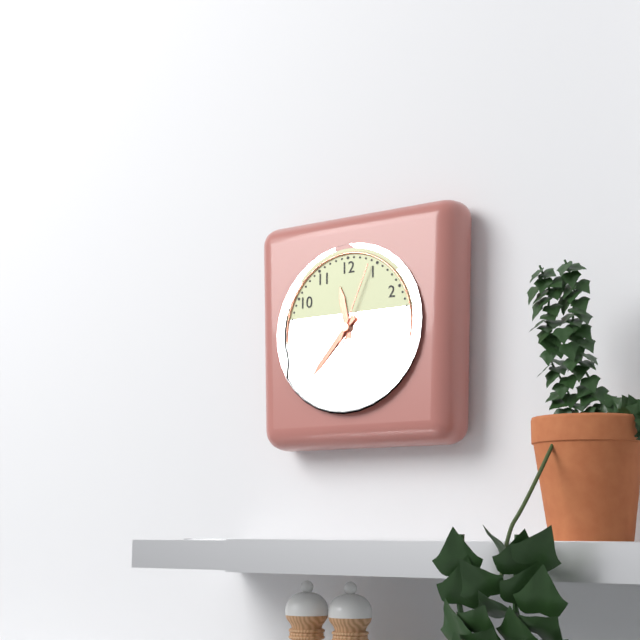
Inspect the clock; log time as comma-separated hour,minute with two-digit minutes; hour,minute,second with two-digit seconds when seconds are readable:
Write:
11,37,04
